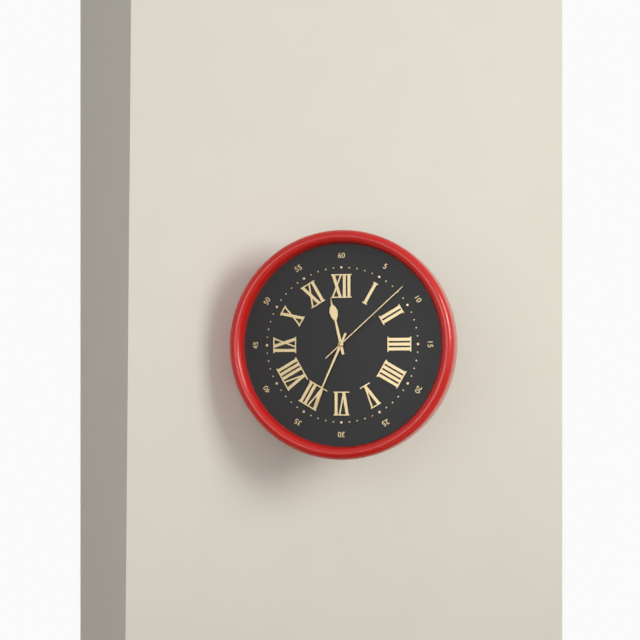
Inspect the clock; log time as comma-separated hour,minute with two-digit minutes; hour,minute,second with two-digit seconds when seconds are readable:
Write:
11,34,08
